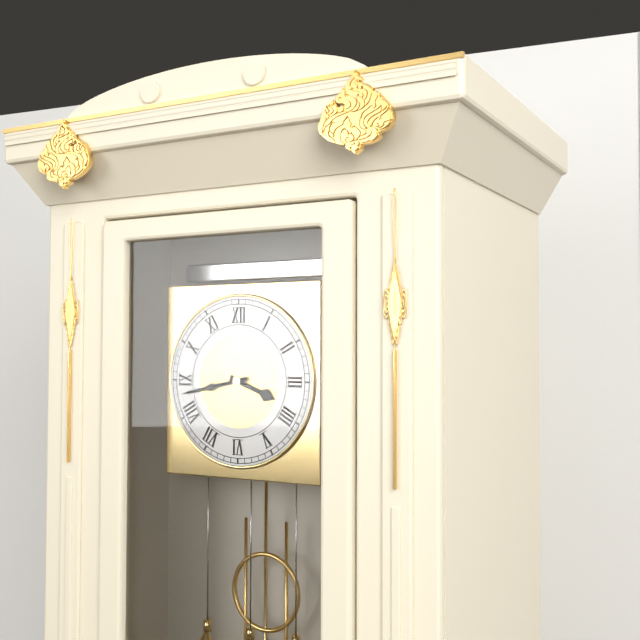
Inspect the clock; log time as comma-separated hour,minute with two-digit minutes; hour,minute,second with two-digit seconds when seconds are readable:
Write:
3,43
